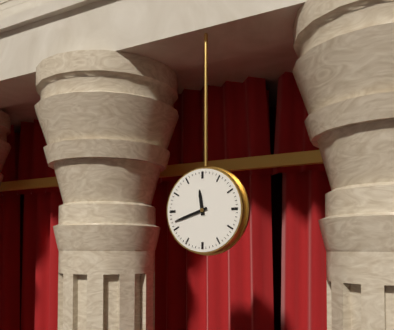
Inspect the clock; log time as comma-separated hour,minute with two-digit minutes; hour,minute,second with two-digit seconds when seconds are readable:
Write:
11,42
